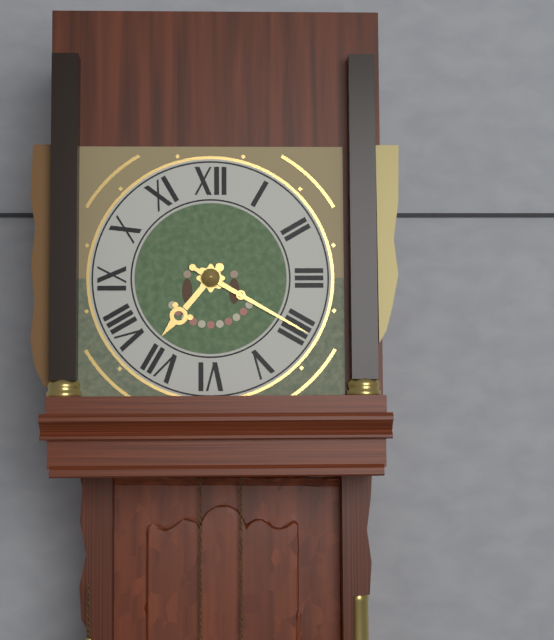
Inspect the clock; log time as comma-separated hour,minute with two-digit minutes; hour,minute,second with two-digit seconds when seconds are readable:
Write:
7,20
